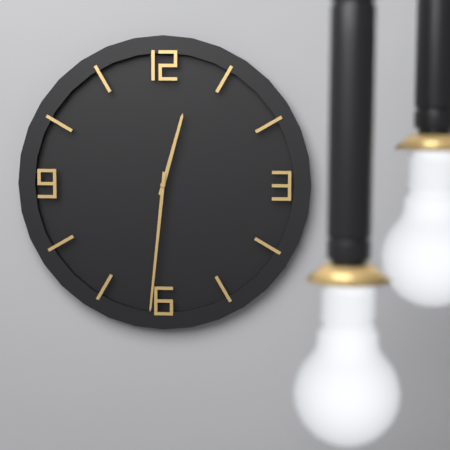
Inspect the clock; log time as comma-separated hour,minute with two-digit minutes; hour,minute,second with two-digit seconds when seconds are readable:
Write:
12,31
